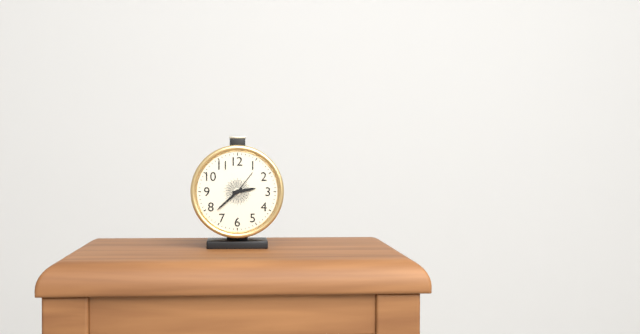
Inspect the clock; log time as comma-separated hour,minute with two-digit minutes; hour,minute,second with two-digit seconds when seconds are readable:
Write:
2,38
